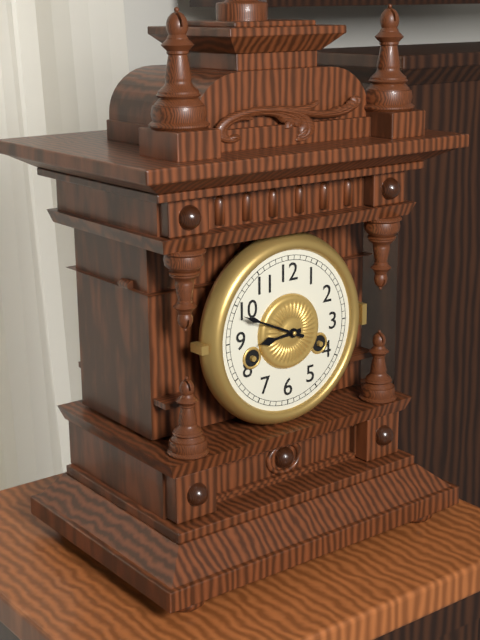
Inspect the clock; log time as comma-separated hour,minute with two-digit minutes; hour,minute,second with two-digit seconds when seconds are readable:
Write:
8,49
